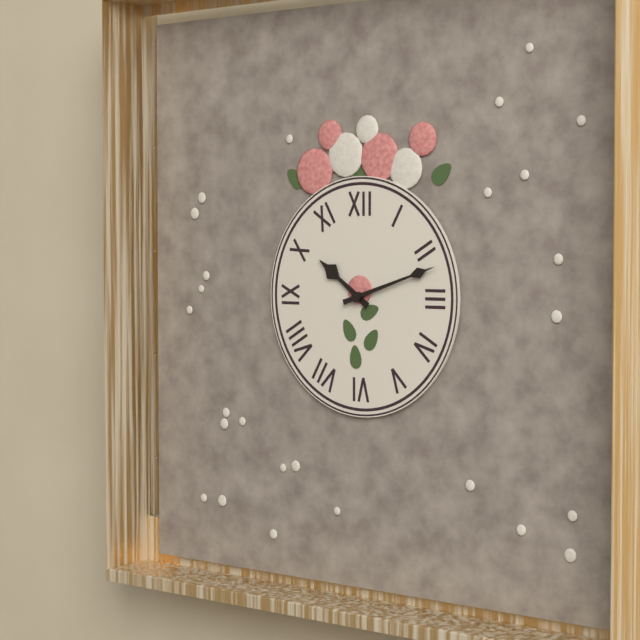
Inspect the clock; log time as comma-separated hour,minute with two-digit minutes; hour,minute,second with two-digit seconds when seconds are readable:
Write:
10,12
